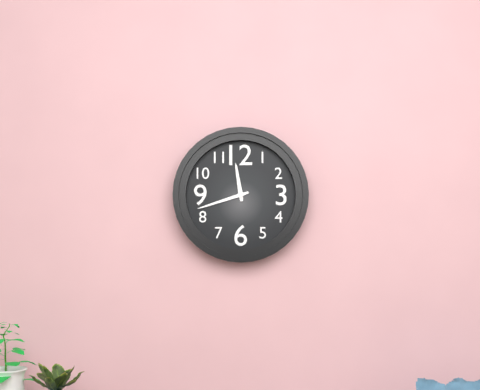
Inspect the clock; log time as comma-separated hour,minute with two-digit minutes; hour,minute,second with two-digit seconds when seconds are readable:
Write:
11,42
